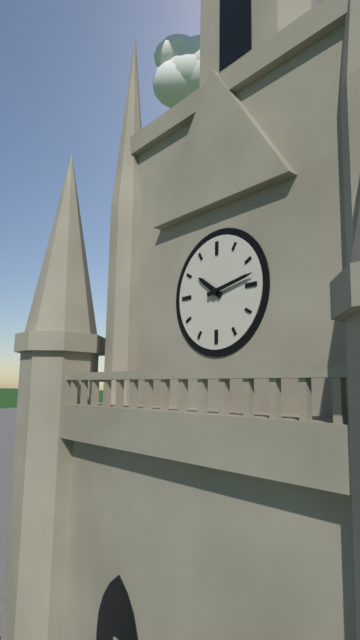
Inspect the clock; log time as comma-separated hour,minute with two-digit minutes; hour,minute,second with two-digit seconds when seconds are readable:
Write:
10,13
